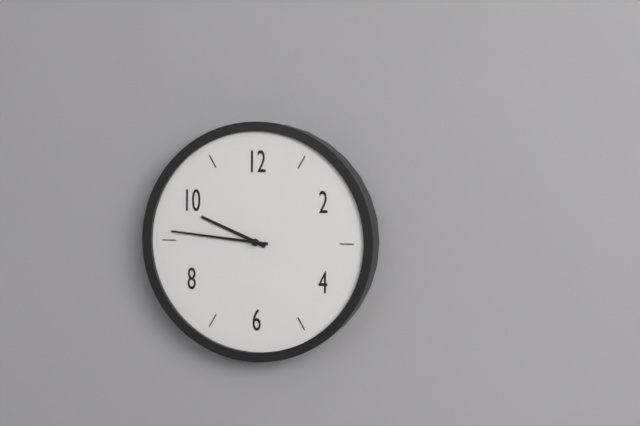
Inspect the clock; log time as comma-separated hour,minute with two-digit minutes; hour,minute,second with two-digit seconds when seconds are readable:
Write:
9,46
